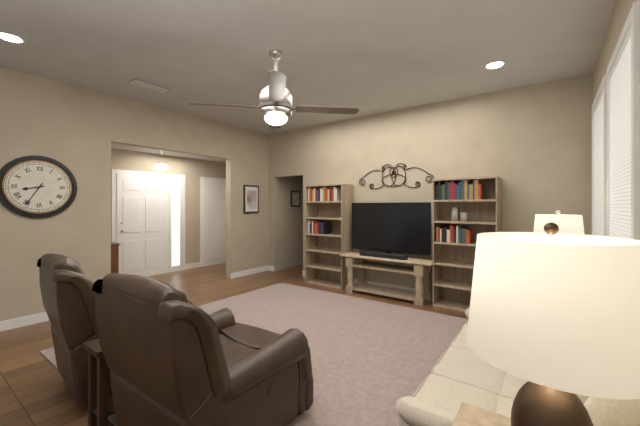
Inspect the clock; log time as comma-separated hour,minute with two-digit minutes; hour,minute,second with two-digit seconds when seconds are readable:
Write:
8,35
